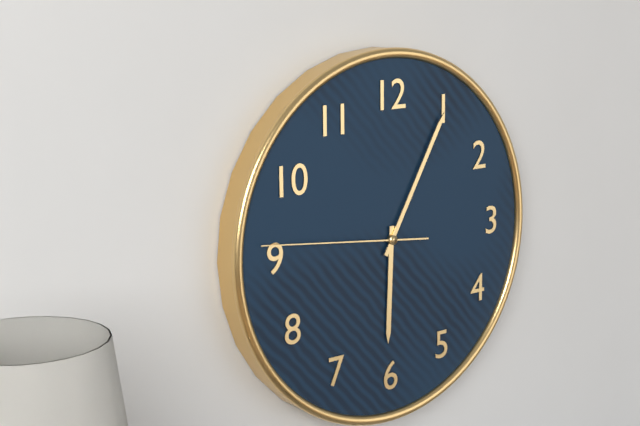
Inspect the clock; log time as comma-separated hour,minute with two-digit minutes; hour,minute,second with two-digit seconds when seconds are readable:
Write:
6,05,46
